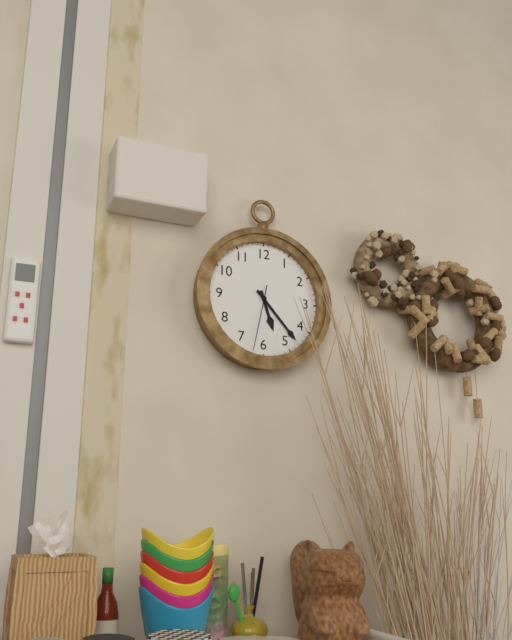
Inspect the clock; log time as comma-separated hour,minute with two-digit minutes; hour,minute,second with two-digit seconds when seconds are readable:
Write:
5,23,32
